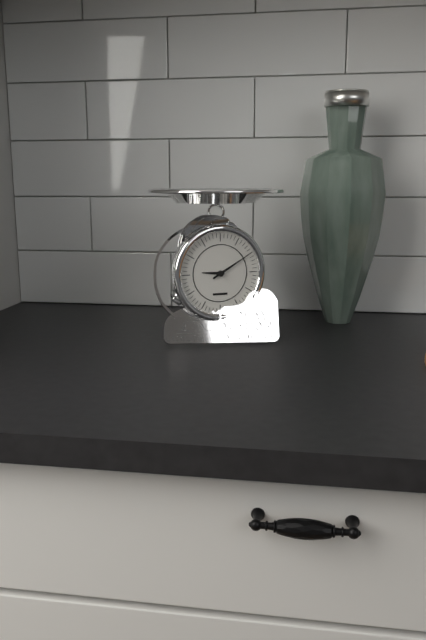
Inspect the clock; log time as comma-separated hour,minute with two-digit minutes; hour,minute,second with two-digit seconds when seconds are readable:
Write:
9,10
